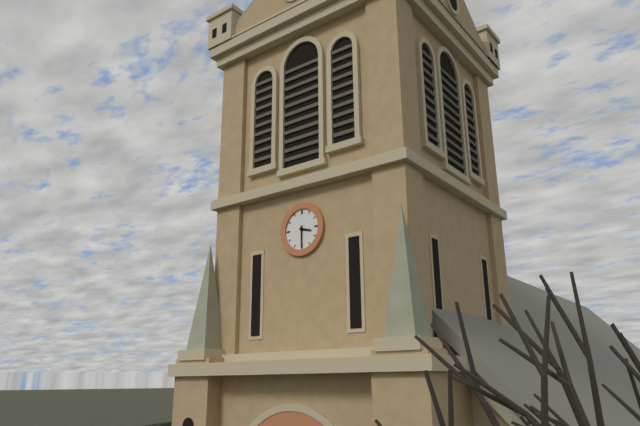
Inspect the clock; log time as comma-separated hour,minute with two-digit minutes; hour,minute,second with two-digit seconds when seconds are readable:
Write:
3,30
